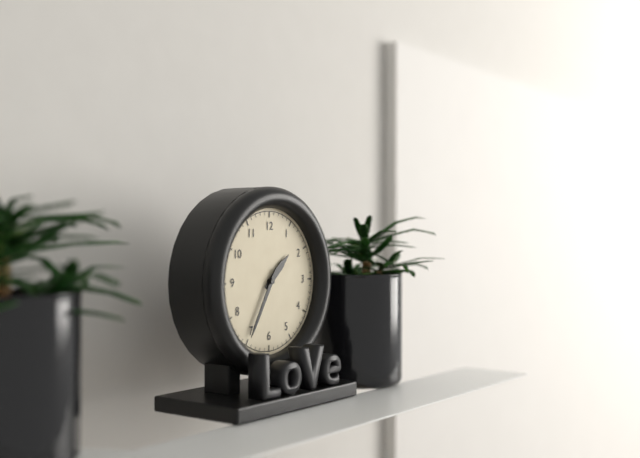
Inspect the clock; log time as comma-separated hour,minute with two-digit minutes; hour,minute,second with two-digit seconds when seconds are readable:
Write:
1,35
